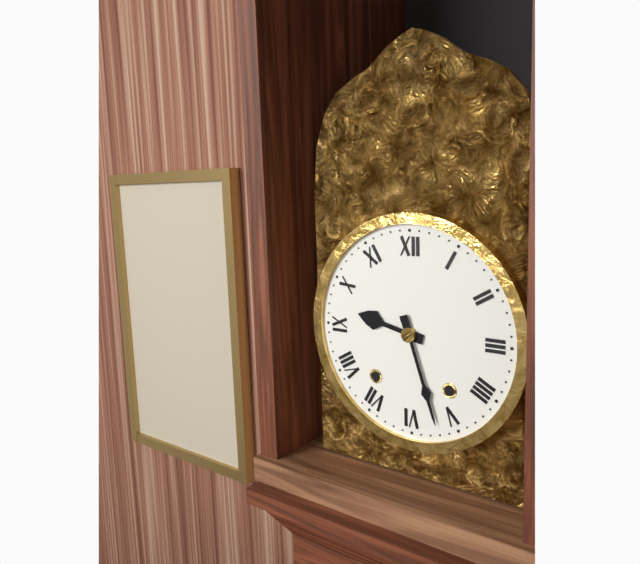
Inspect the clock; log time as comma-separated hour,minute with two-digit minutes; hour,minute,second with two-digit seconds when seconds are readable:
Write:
9,27
